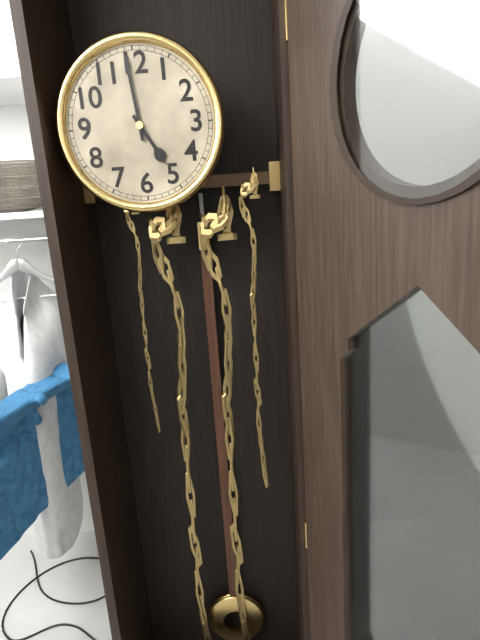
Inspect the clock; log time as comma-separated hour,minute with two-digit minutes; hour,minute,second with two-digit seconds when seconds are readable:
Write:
4,59
